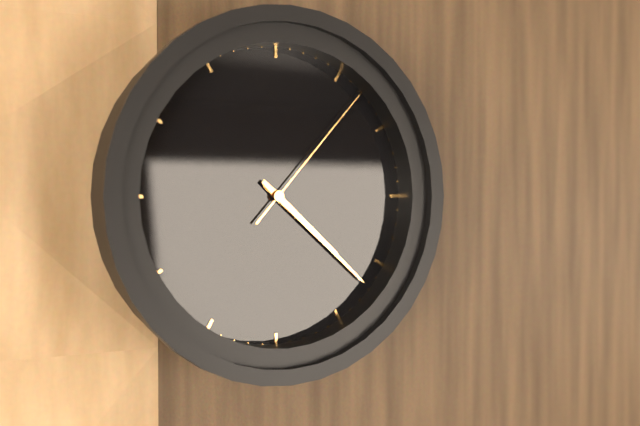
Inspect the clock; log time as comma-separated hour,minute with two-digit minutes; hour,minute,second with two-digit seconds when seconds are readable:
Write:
4,22,07
